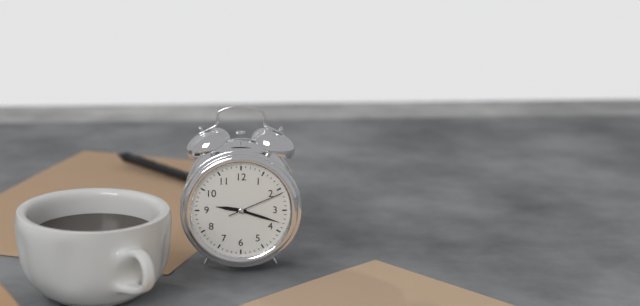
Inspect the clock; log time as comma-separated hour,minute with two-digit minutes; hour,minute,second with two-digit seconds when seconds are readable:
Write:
9,18,11
